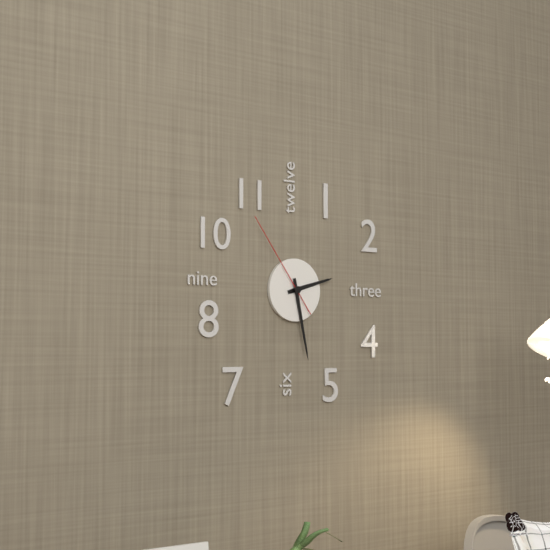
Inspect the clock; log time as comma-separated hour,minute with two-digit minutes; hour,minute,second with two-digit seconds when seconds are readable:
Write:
2,28,54
